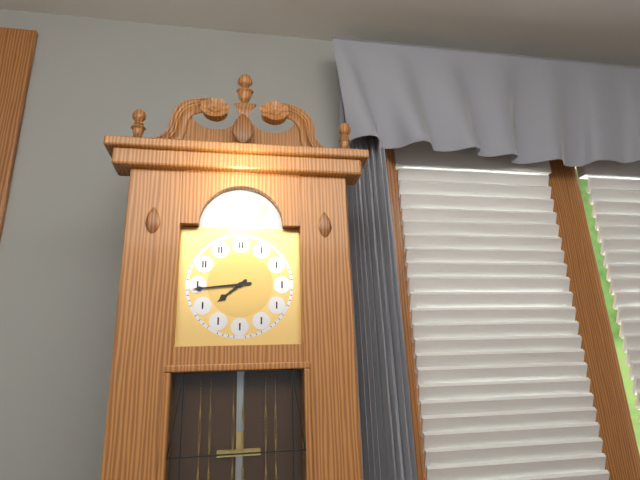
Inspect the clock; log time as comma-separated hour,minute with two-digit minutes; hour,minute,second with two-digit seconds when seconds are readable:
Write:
7,44
